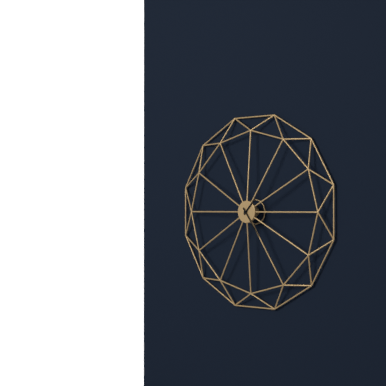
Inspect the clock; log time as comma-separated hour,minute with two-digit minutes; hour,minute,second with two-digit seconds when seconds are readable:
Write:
1,24
